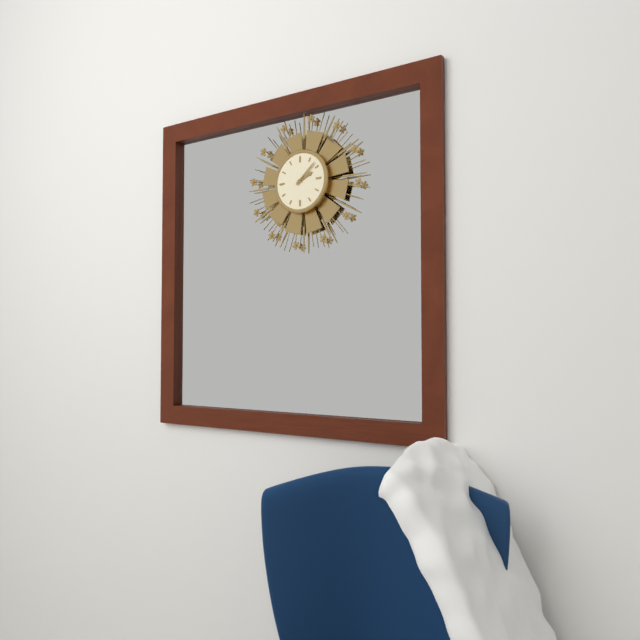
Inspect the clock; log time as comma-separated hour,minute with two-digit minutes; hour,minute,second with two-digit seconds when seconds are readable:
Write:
2,08
